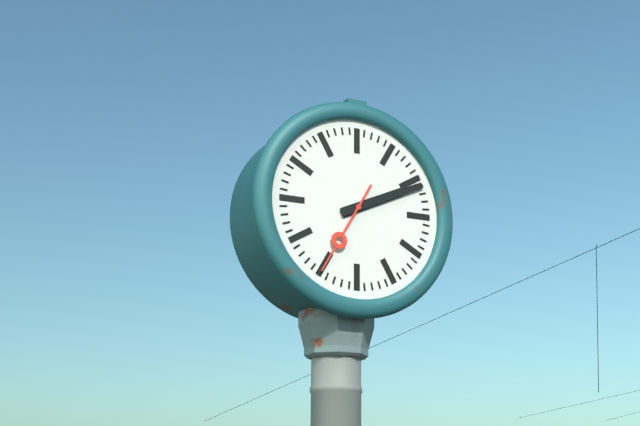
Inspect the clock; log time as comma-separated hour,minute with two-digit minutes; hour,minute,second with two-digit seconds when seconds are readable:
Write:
2,11,35
